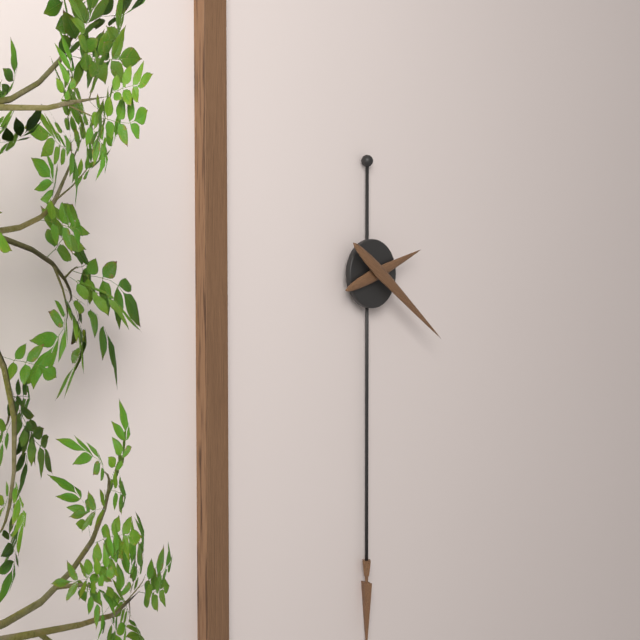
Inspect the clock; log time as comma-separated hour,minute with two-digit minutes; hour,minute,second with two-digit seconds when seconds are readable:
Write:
2,21
